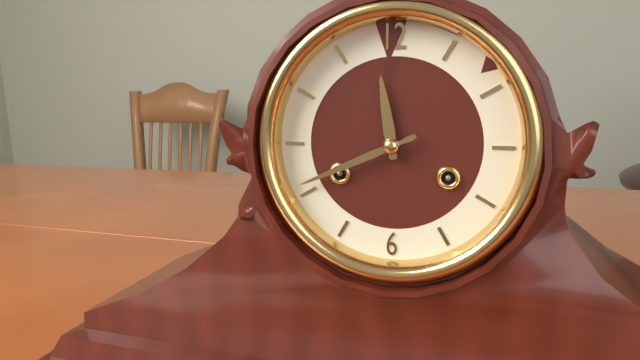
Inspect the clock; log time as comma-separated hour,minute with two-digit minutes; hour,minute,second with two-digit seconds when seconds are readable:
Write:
11,41
